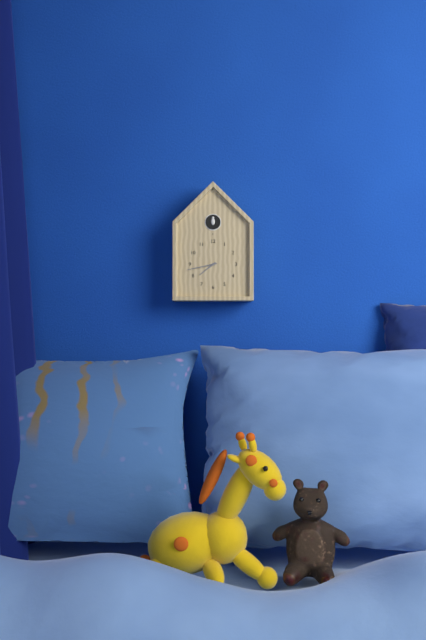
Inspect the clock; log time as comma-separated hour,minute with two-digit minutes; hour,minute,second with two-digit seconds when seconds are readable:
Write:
7,43
